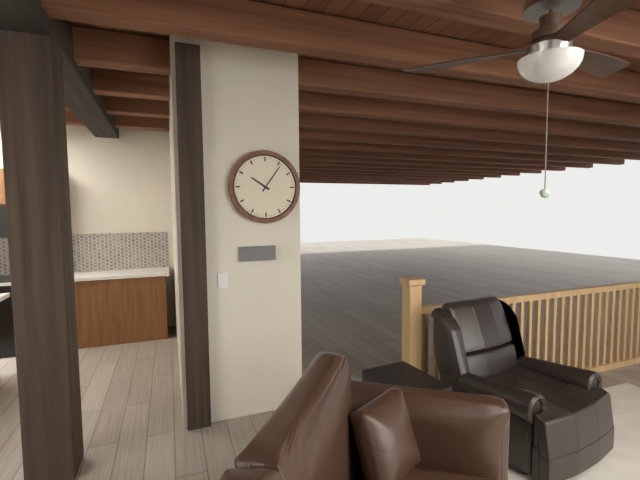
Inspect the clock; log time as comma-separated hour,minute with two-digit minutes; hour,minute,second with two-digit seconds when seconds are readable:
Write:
10,06
